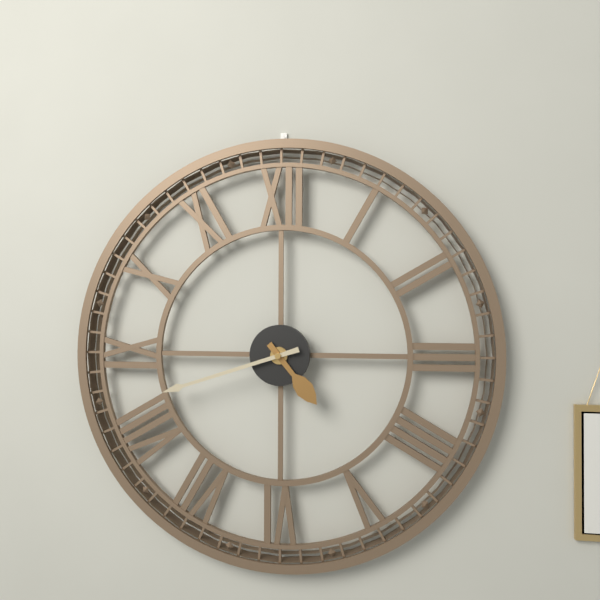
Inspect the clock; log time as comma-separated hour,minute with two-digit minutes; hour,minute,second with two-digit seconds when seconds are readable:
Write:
4,42
